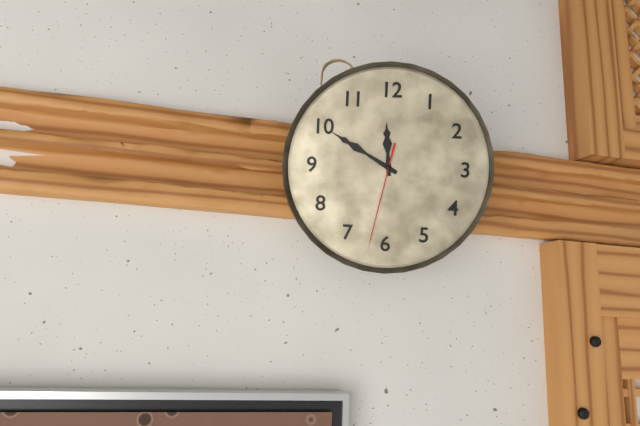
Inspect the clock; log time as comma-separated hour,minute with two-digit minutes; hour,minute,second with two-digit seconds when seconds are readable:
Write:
11,50,32
